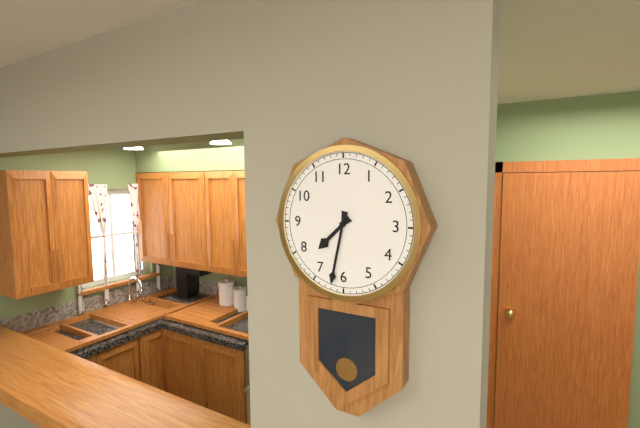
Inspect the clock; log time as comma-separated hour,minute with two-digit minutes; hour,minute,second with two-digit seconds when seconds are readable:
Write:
7,32
